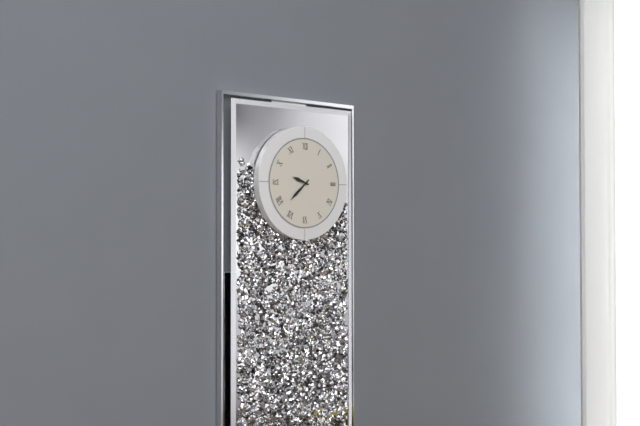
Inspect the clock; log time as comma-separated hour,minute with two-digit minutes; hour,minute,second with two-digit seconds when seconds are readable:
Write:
9,38
